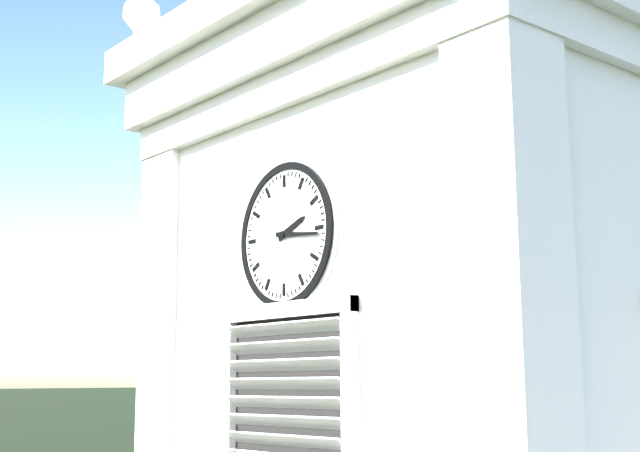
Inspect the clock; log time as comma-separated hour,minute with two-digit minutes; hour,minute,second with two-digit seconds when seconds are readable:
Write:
2,16
